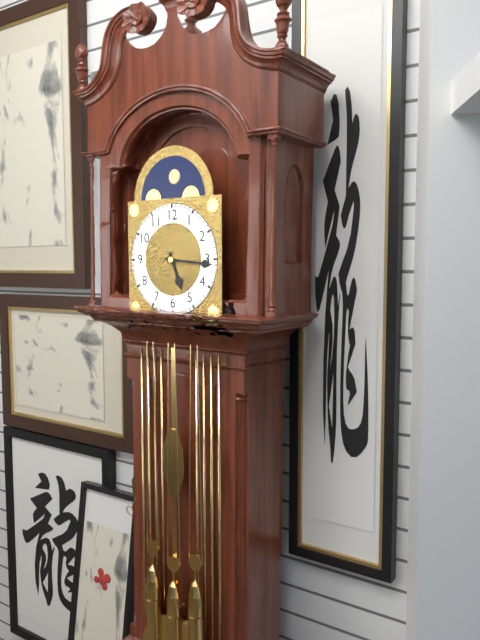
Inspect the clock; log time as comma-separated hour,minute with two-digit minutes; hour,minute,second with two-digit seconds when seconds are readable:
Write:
5,16
